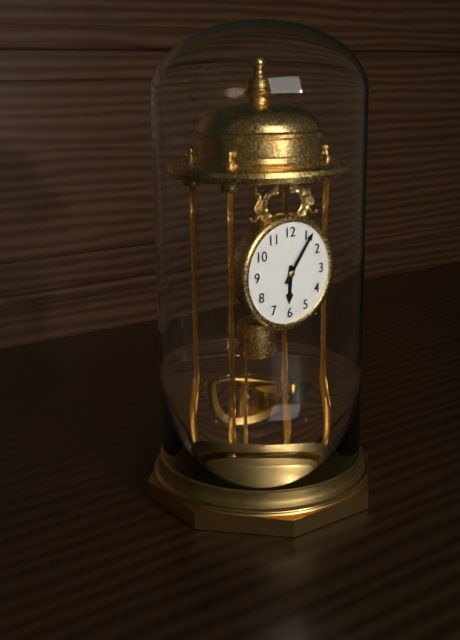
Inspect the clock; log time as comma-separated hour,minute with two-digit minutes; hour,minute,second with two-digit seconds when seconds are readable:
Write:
6,06
